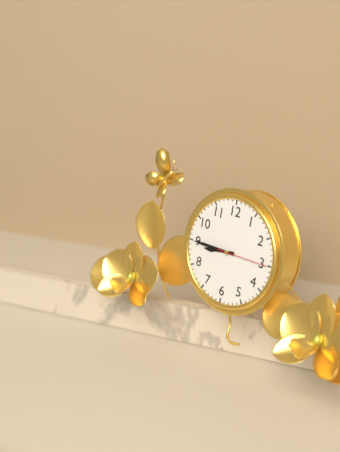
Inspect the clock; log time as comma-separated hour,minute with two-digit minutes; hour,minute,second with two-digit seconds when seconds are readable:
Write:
8,45
